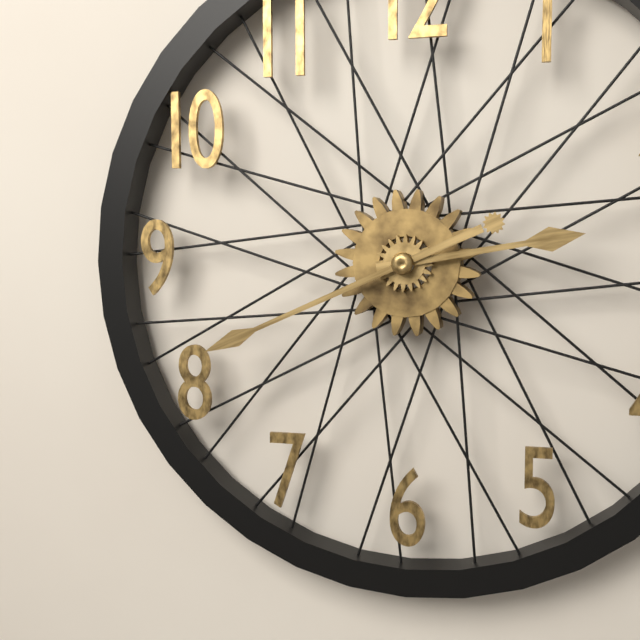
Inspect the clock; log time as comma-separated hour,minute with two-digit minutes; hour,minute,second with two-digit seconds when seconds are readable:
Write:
2,41
